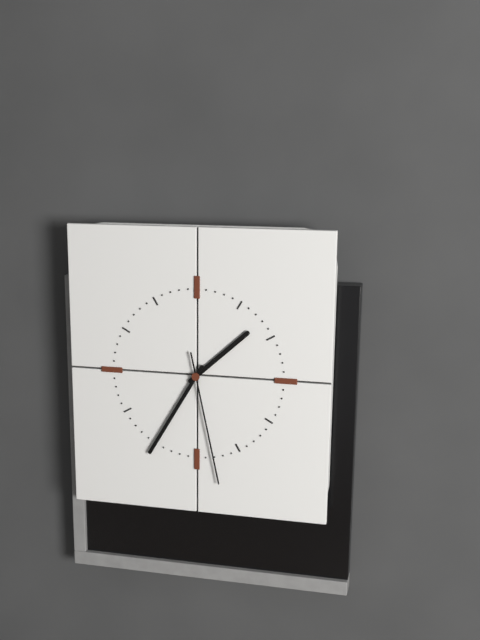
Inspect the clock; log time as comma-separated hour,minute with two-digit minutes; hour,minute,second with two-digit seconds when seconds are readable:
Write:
1,35,28
